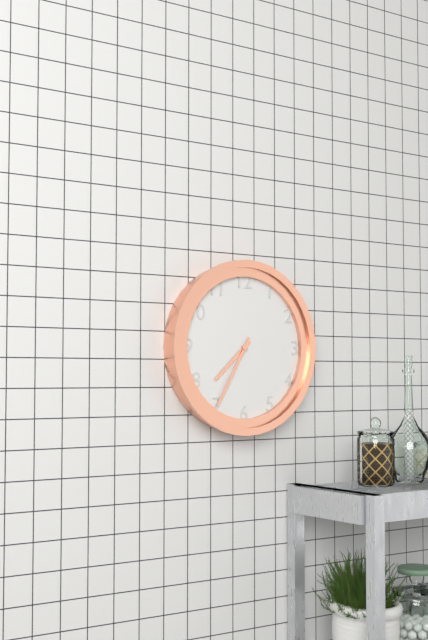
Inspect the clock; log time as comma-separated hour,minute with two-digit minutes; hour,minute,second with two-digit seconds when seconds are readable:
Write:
7,35
